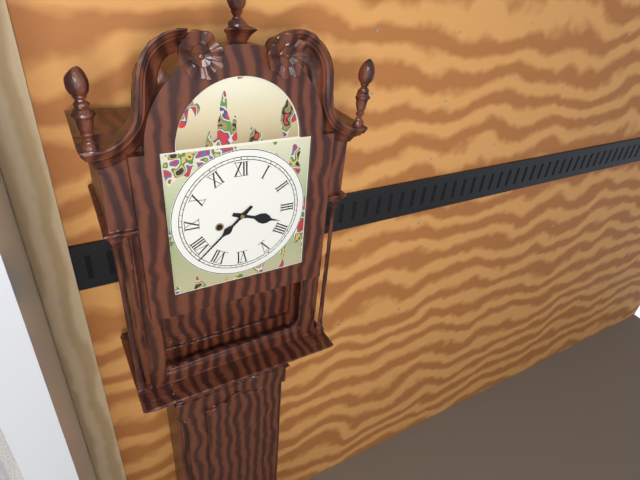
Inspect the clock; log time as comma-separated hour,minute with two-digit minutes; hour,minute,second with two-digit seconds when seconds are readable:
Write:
3,38
